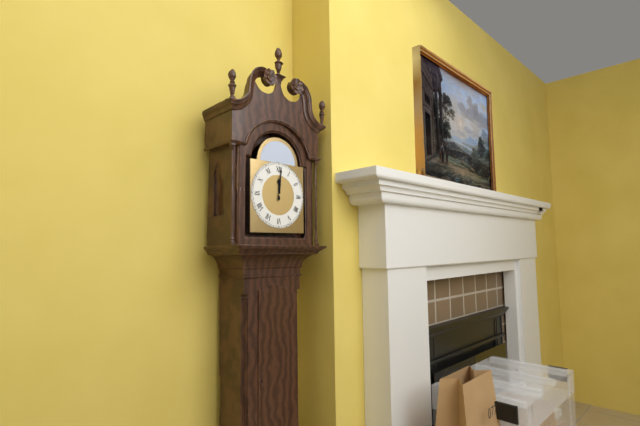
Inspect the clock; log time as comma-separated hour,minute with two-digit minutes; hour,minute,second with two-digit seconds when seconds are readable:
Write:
12,01
